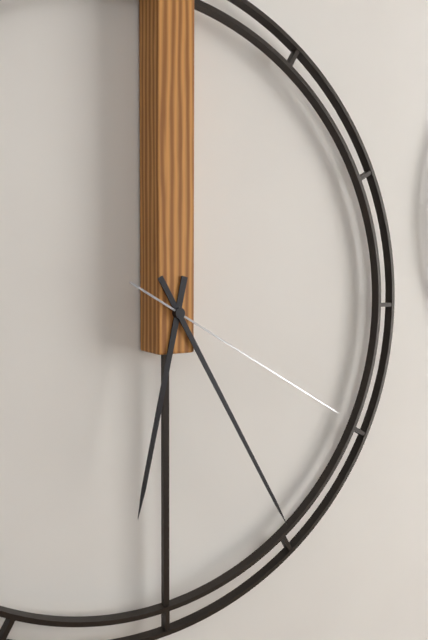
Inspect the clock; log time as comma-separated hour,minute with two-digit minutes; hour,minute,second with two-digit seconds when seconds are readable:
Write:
6,25,20
